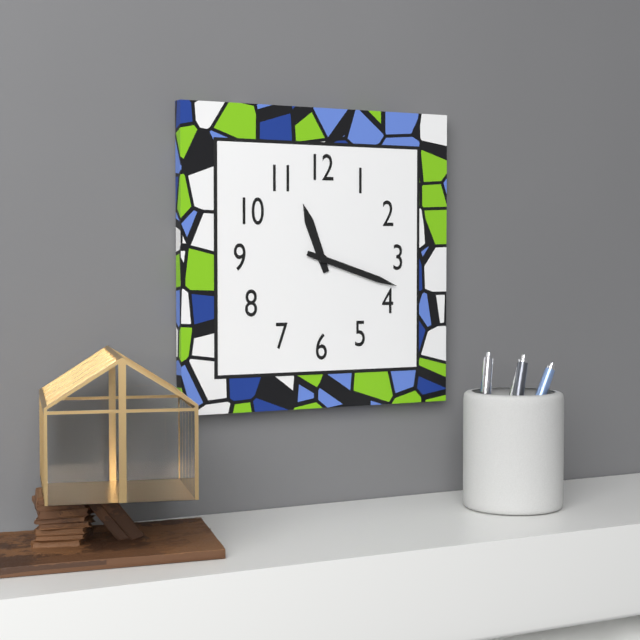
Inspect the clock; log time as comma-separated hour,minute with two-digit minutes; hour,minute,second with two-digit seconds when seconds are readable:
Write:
11,18
